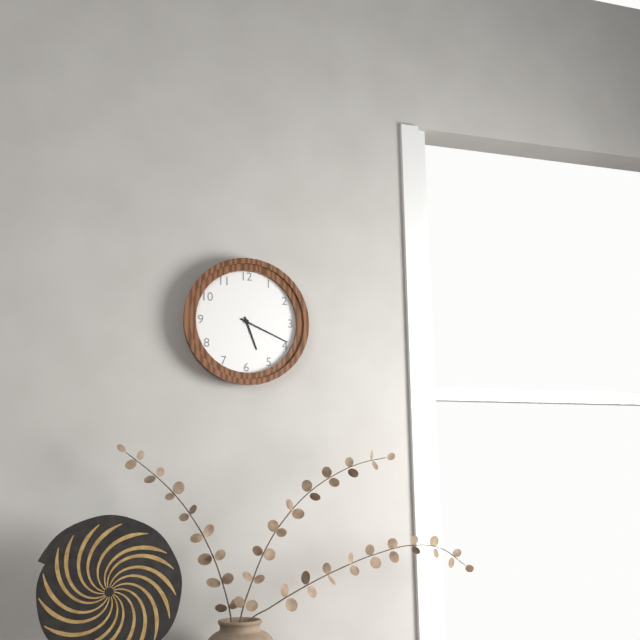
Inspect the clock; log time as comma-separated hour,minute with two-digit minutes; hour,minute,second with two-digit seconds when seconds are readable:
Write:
5,19
